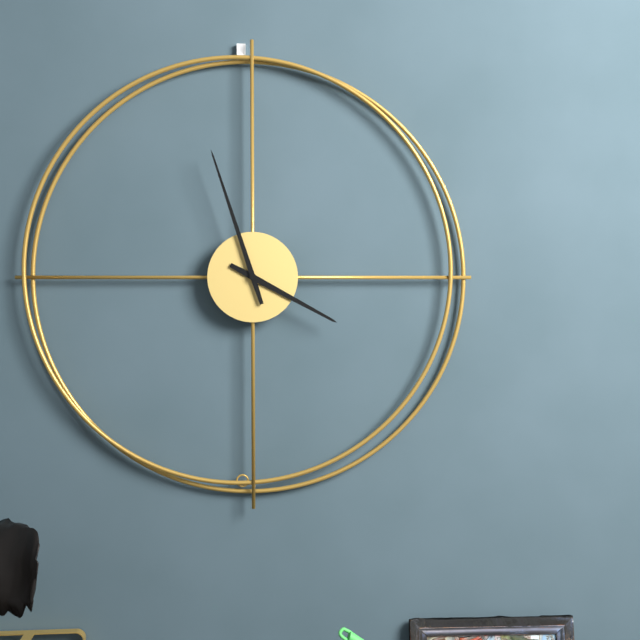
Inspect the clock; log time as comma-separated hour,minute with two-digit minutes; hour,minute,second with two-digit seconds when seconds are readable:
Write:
3,57
